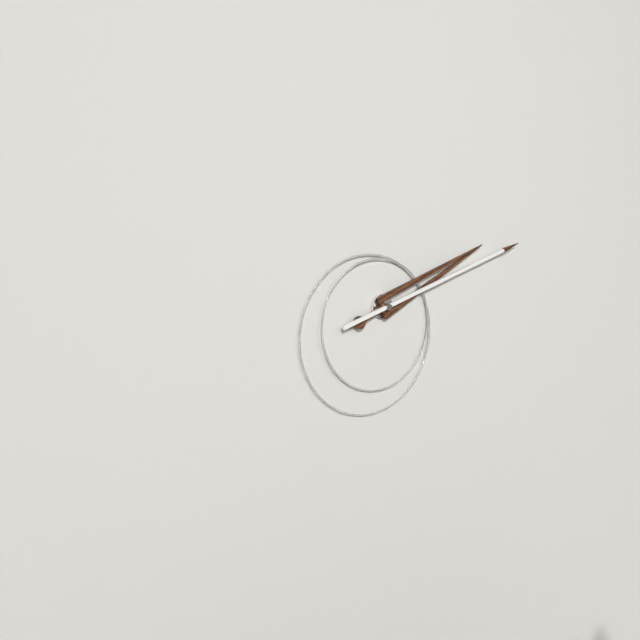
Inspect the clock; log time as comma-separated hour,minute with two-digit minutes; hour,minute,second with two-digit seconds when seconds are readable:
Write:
2,12
